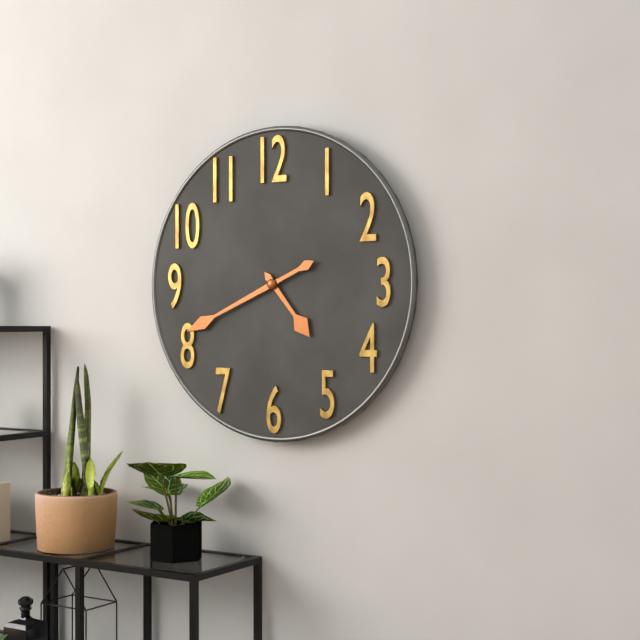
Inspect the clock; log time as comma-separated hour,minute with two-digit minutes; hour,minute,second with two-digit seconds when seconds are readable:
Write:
4,41
